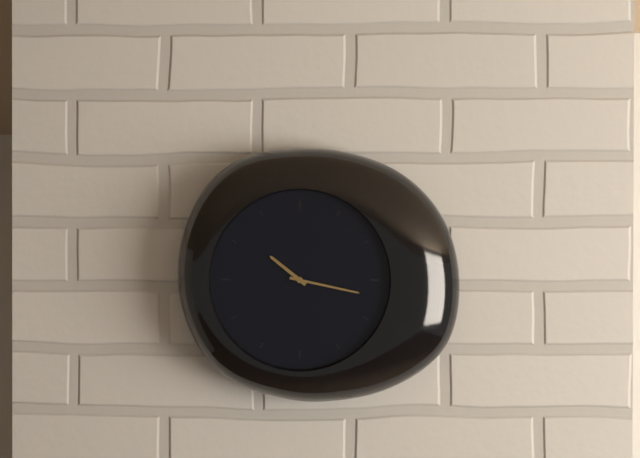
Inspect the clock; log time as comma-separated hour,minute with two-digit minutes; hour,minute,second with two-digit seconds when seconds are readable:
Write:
10,17
